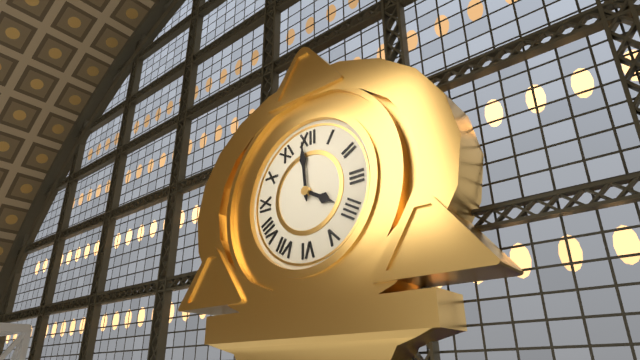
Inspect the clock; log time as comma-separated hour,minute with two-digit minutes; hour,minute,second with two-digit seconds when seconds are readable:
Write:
3,59
